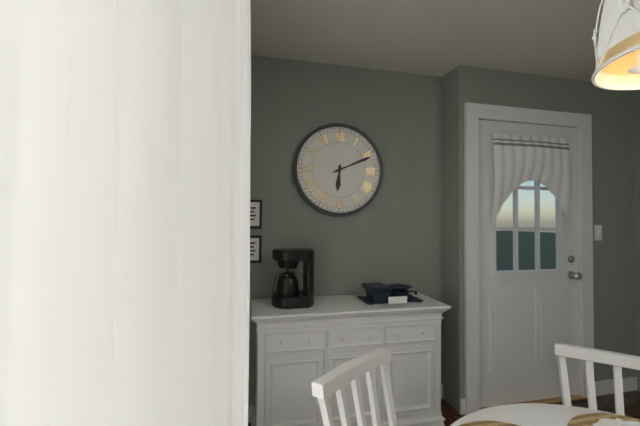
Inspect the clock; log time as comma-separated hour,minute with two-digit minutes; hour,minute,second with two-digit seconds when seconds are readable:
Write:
6,11
